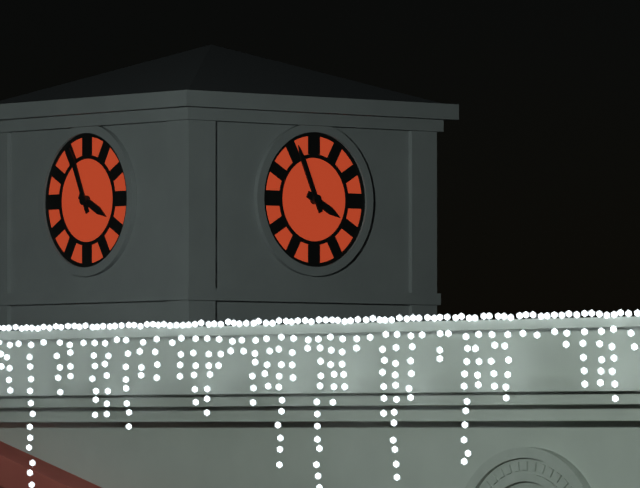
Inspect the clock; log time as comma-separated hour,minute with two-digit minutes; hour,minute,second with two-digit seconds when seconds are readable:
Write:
3,56
